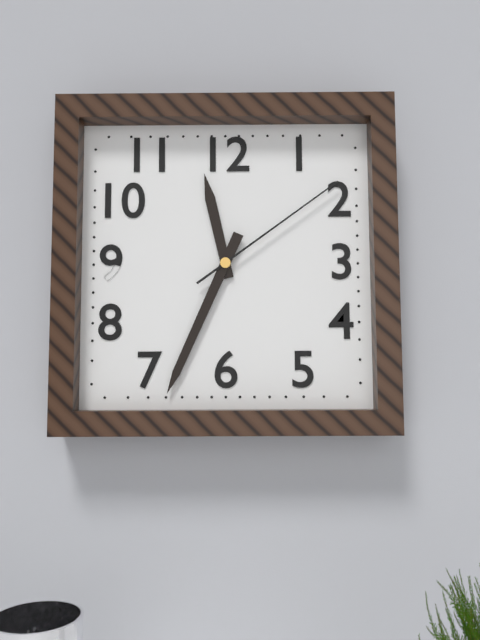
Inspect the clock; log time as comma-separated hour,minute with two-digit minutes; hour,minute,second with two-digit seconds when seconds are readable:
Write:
11,34,09
